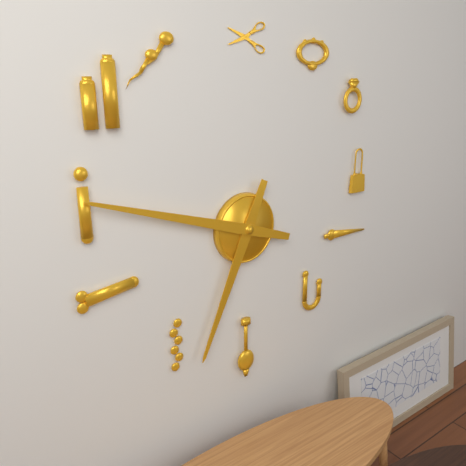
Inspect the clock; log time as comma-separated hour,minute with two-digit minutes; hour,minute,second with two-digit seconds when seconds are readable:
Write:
6,48
